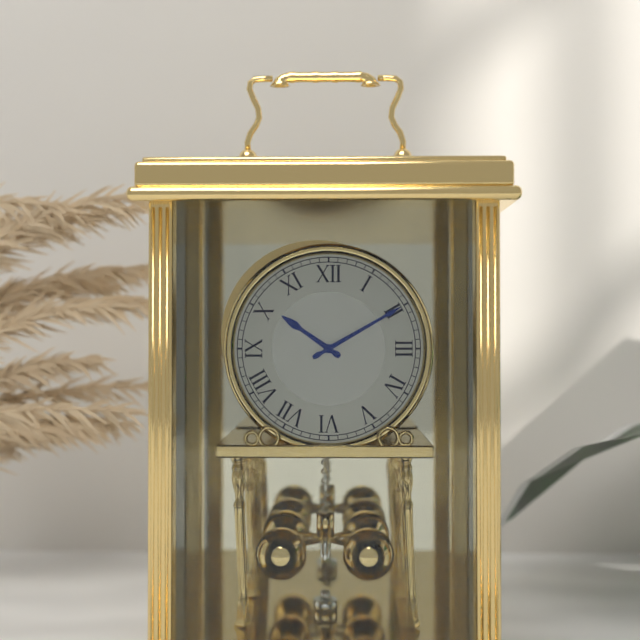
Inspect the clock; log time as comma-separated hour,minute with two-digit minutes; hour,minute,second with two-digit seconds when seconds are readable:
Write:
10,10
